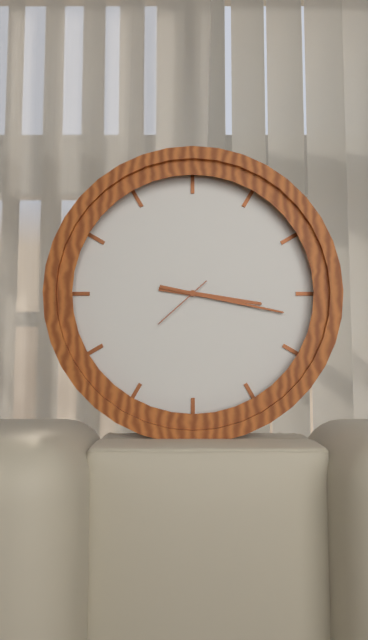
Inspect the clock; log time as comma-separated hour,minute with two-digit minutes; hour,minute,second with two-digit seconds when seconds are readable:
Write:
3,17,38
